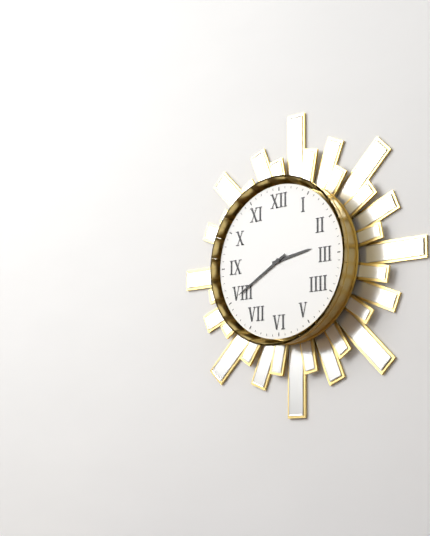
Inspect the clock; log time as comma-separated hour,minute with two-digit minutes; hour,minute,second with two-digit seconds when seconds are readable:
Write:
2,40
